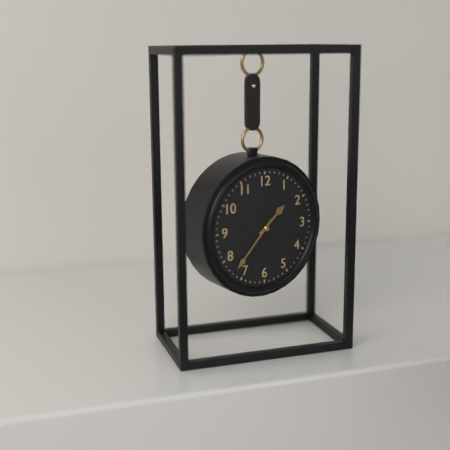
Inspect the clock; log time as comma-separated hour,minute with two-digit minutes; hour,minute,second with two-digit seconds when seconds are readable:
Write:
1,37
